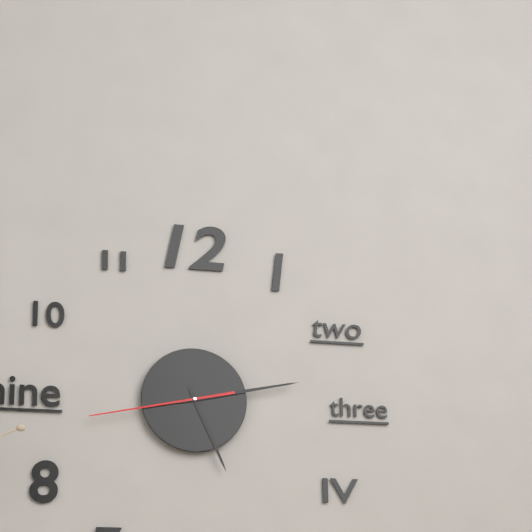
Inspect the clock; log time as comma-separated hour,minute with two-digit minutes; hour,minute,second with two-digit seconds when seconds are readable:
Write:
5,13,43
